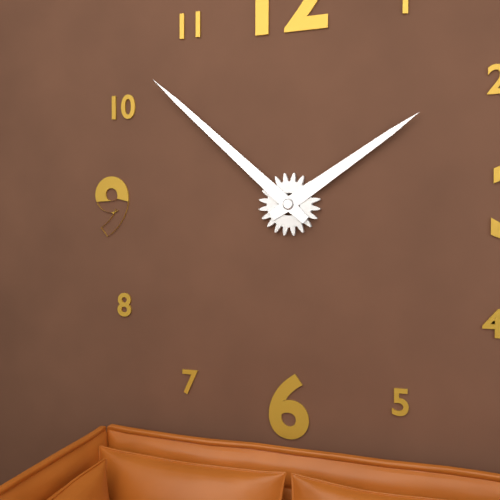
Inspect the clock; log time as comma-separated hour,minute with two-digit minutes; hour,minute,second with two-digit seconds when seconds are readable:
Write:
1,52
